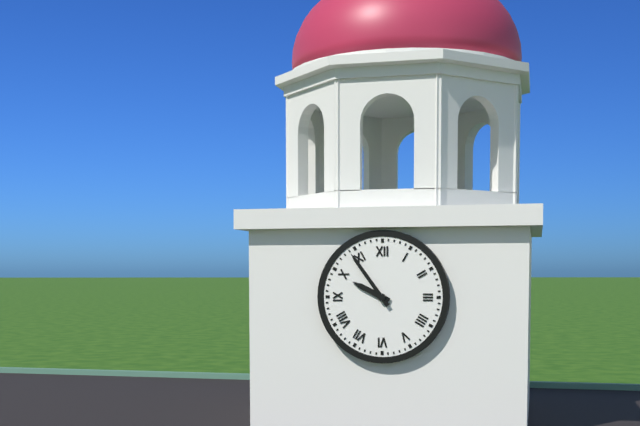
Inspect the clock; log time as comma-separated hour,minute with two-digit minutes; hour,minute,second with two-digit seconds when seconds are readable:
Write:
9,54
